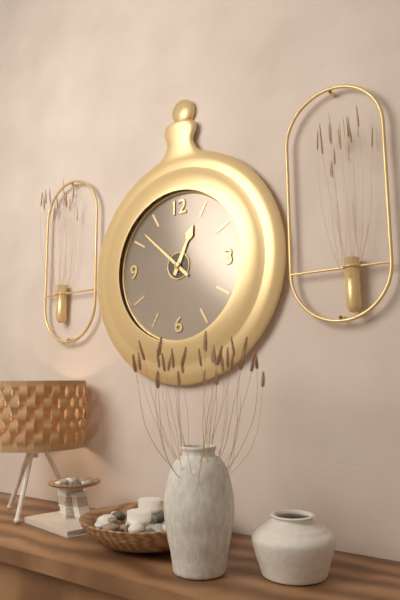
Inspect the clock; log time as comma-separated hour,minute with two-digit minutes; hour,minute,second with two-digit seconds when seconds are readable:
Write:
12,52
